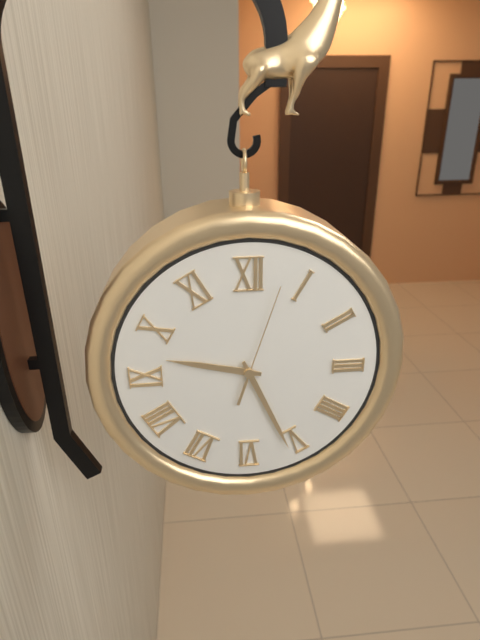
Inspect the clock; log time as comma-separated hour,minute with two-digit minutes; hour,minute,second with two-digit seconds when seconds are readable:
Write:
9,26,03
